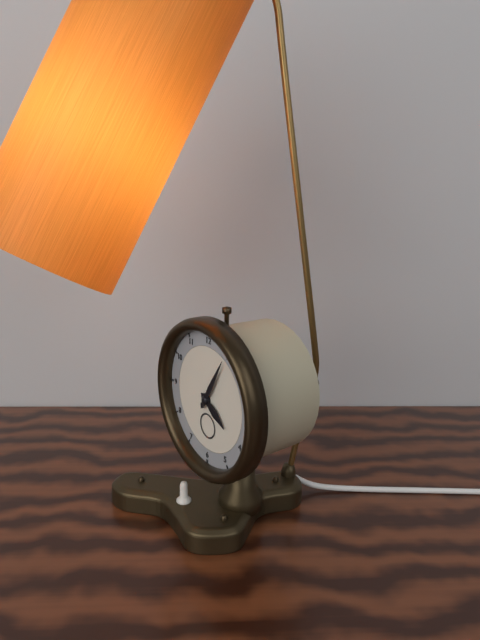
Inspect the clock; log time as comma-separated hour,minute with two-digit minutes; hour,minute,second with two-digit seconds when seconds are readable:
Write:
4,05
